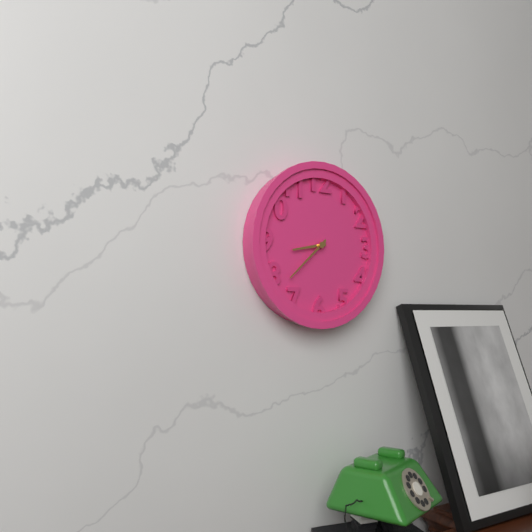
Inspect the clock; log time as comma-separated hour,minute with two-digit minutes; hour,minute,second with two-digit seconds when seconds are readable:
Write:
8,38
